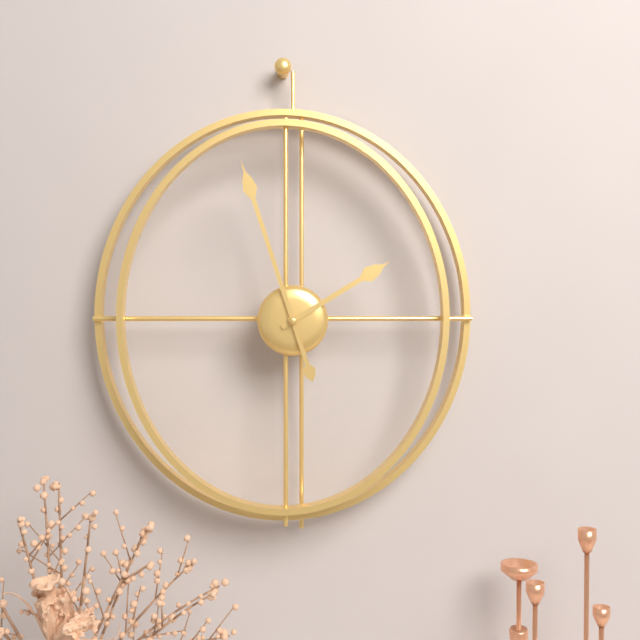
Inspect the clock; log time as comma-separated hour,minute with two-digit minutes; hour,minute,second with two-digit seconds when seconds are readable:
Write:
1,57
